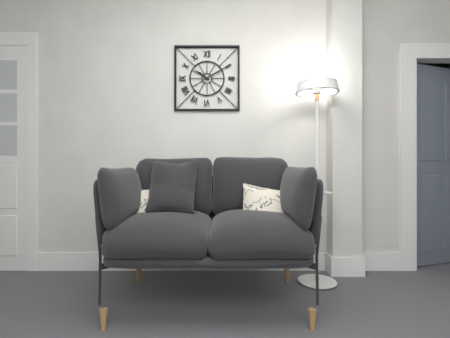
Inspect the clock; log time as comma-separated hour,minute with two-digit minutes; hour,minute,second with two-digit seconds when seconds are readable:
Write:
10,10
